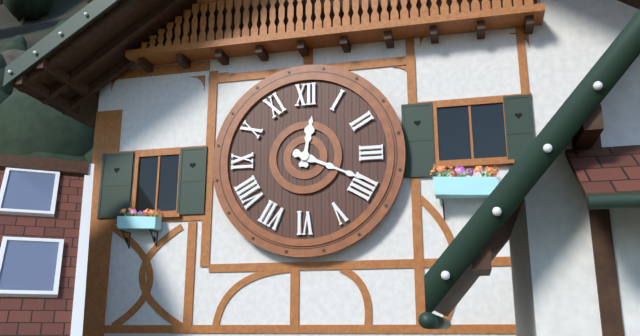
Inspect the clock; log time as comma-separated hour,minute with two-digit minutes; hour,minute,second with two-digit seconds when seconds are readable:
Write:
12,19
